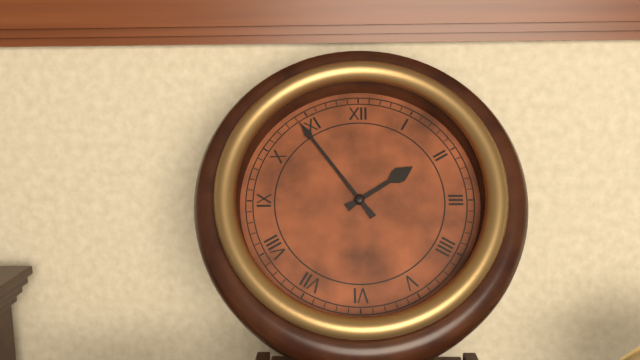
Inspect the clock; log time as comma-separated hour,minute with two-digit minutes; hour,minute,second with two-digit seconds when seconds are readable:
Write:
1,54
